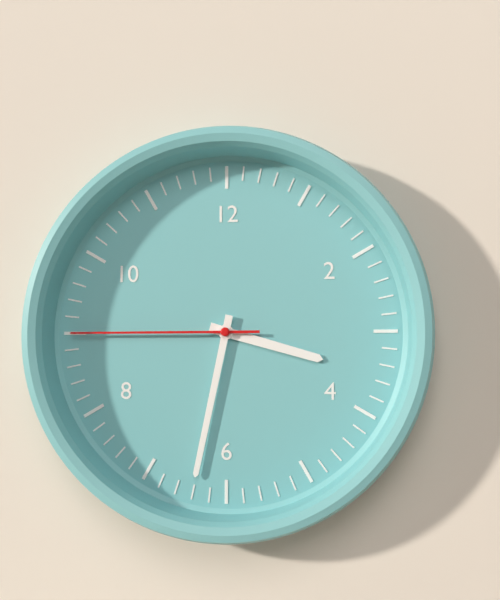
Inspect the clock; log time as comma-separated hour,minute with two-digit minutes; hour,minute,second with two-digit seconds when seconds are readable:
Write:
3,32,45
